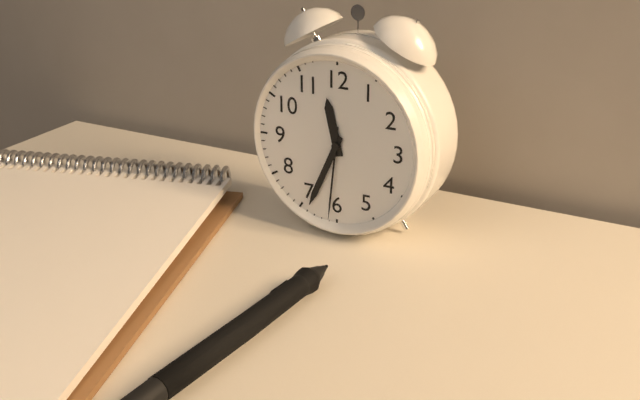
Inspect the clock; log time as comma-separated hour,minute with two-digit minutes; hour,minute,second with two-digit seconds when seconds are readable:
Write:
11,34,31
